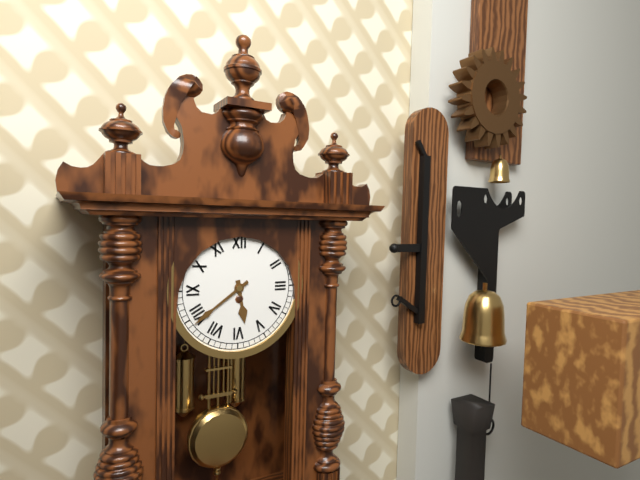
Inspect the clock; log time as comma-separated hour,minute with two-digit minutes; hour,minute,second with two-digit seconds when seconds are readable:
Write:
5,39
